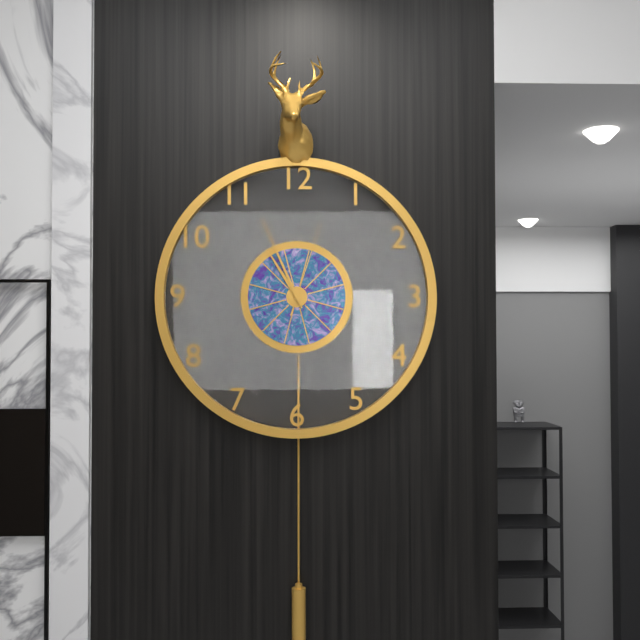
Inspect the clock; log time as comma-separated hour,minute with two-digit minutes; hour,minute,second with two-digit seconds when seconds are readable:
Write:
10,56,03
